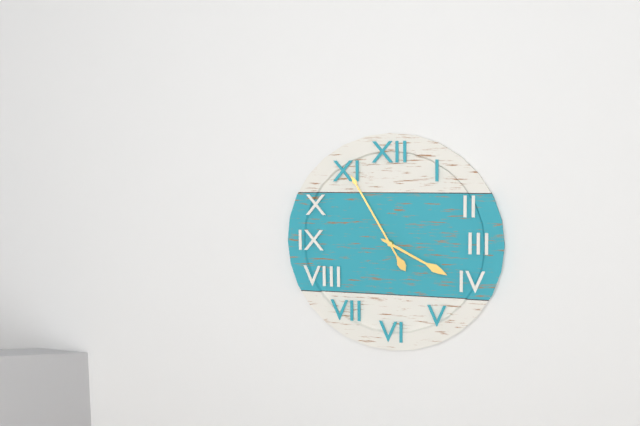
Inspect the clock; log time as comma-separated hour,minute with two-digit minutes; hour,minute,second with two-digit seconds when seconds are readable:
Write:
3,55
